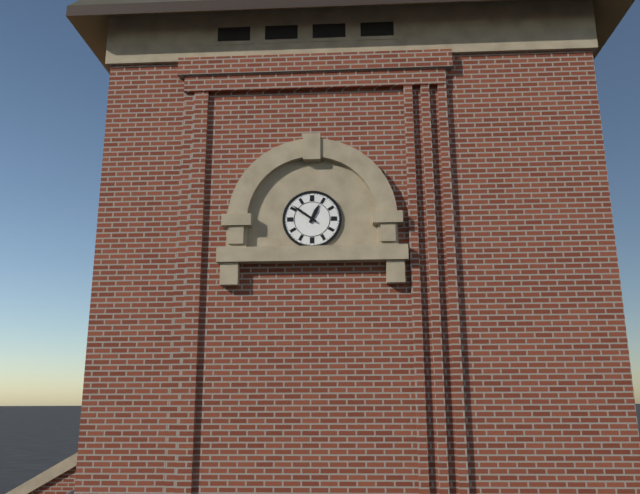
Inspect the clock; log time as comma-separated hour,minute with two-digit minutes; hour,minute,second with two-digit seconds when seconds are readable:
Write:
12,51
